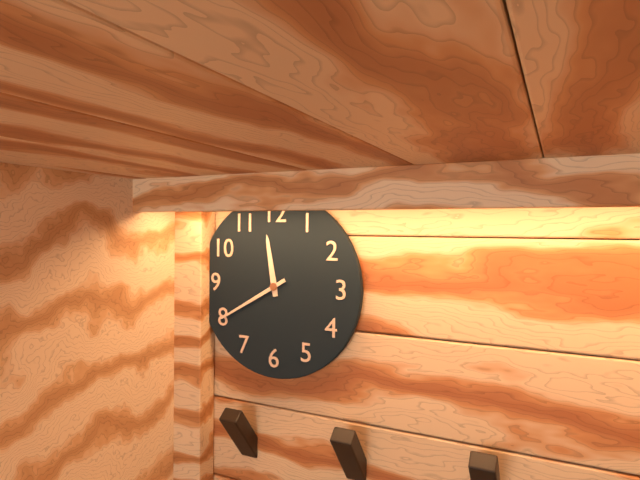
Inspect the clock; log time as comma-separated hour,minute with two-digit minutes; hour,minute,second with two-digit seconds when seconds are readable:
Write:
11,40
